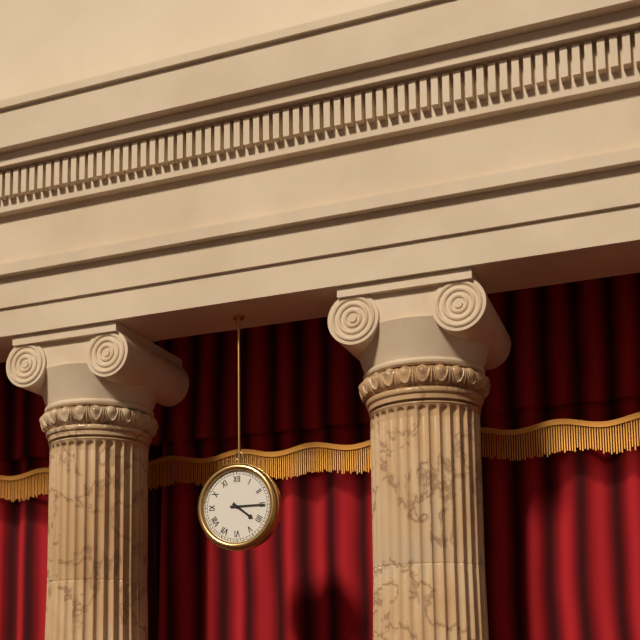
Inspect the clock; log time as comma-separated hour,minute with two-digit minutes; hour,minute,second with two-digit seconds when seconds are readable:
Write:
4,15
